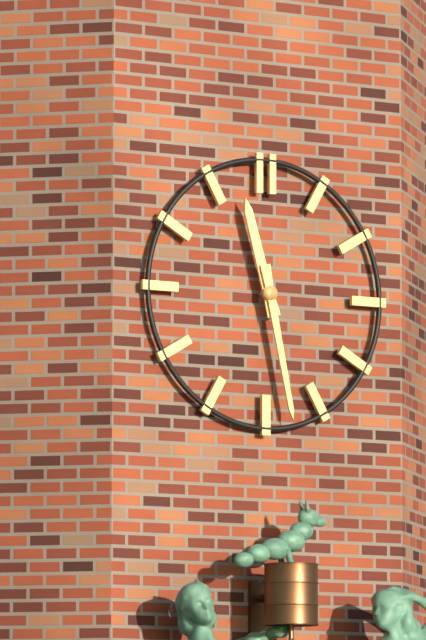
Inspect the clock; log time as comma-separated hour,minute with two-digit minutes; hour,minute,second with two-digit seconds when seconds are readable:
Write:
11,28
